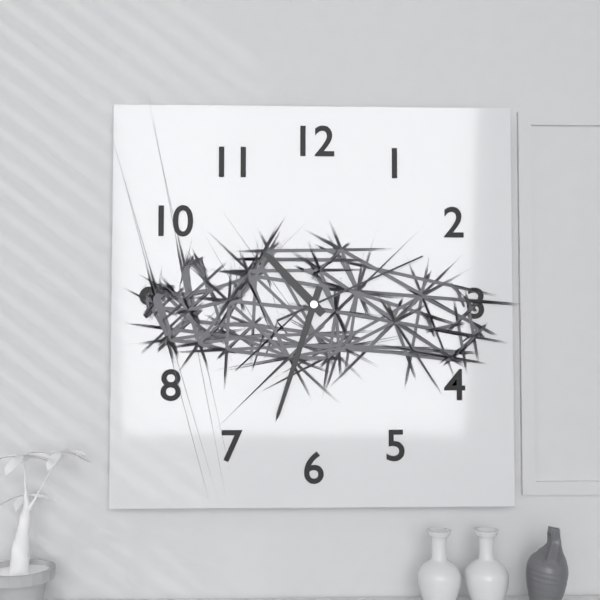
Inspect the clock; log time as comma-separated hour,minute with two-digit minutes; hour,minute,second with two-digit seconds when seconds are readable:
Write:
10,33,11
